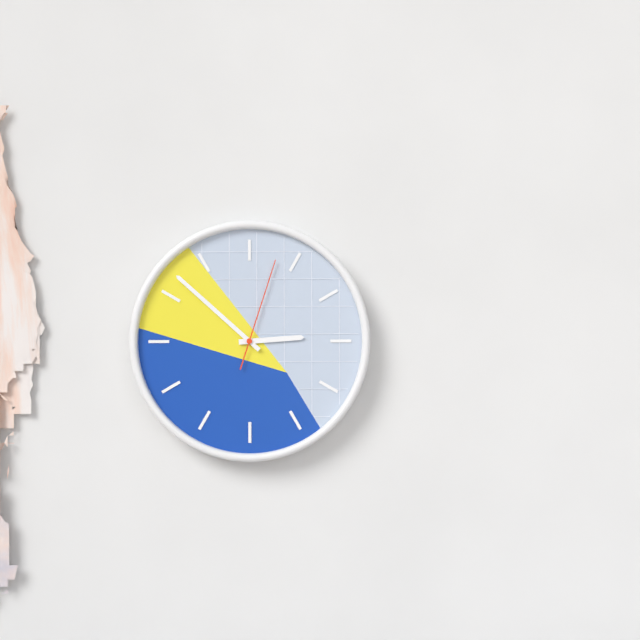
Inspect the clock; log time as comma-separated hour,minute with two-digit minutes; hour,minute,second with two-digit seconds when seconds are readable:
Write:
2,52,03
